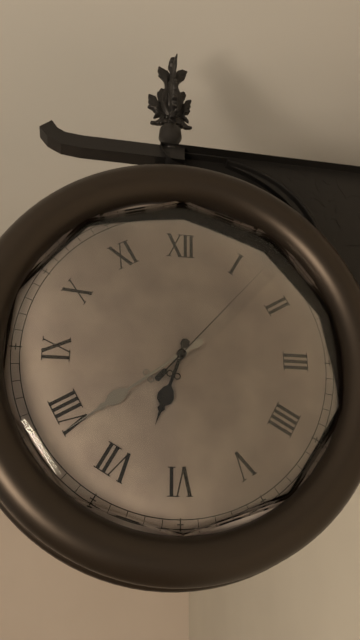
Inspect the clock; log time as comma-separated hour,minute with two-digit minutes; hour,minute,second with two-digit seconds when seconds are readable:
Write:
6,39,07
